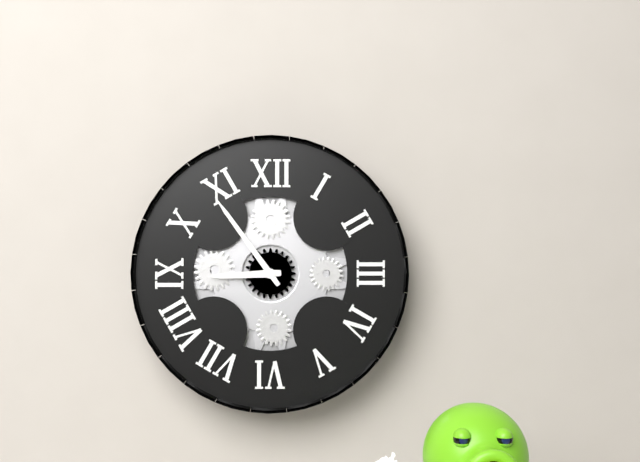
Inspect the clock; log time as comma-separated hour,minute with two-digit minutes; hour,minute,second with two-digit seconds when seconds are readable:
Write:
8,54
